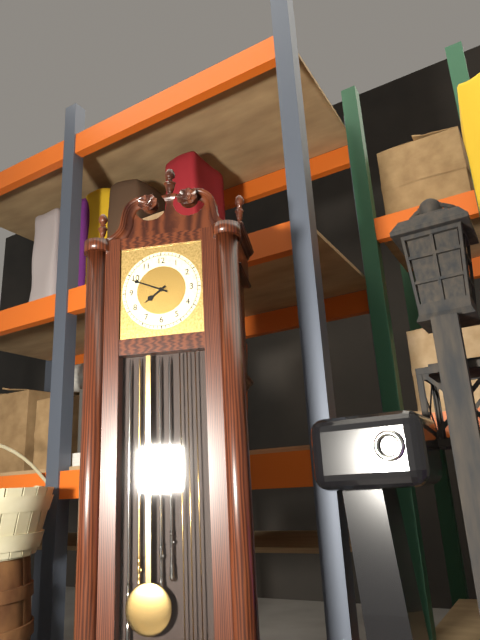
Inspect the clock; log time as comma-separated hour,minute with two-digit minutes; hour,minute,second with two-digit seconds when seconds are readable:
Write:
7,49
